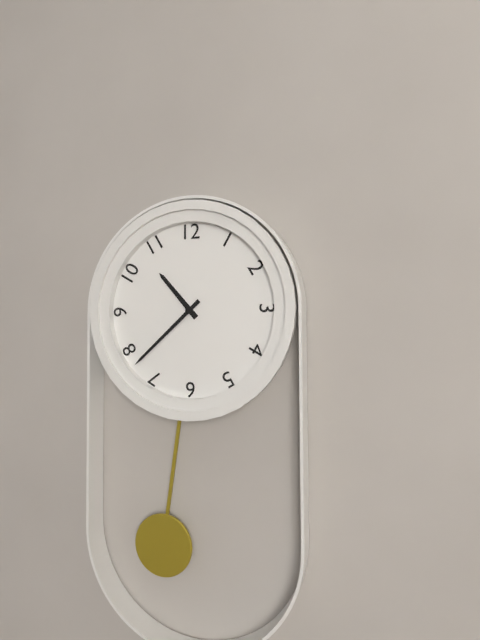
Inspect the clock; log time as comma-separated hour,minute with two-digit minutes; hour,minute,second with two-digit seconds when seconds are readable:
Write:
10,38
